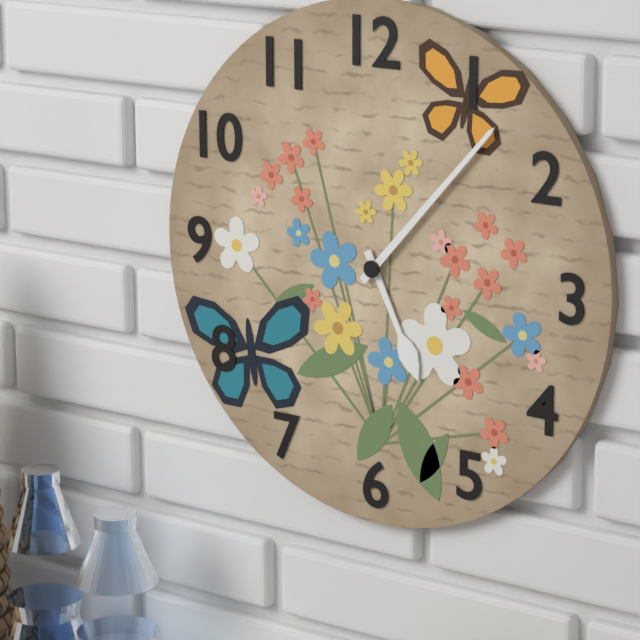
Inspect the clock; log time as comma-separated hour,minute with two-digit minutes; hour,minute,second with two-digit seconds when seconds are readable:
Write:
5,07
